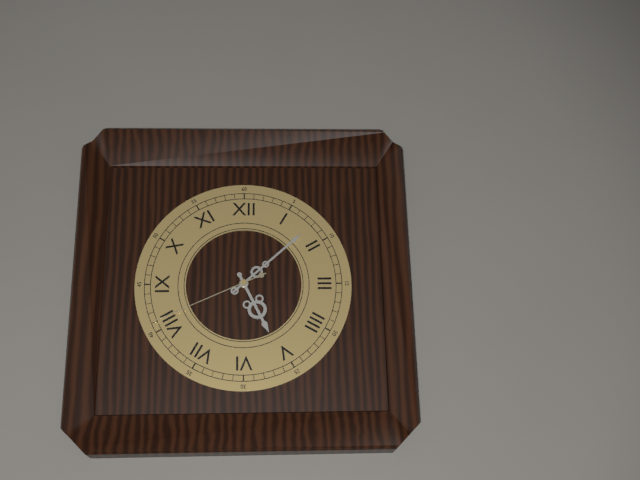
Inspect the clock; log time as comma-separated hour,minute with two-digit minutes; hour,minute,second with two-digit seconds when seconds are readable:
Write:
5,08,41
